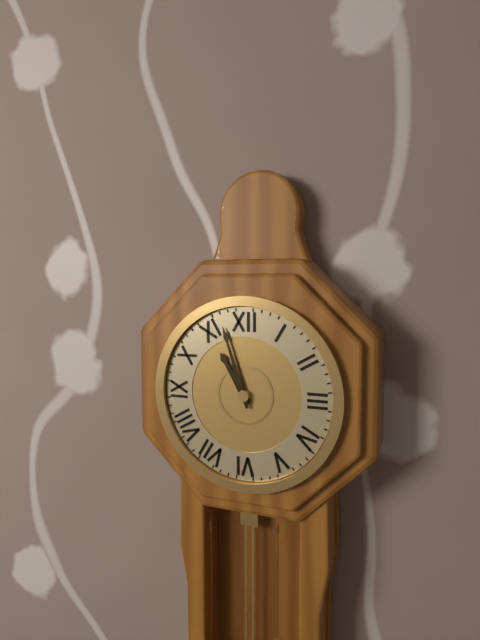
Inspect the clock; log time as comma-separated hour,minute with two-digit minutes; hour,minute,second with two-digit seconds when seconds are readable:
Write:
10,57
